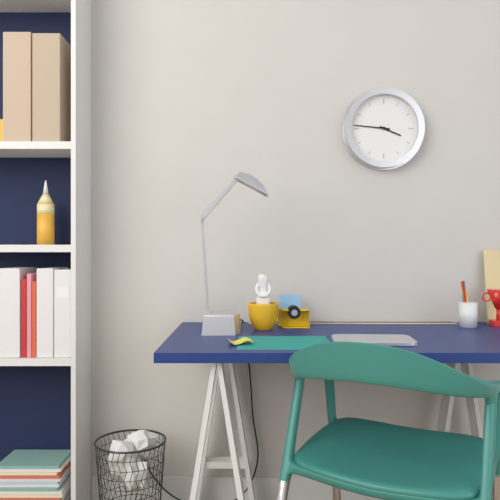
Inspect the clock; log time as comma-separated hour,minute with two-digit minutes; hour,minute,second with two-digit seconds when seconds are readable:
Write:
3,46
